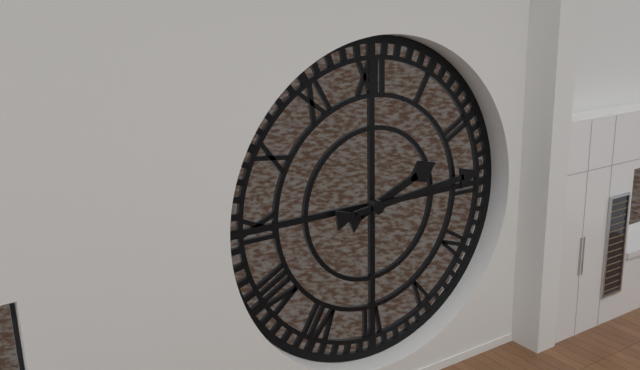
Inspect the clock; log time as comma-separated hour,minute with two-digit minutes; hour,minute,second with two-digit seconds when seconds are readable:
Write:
2,14
